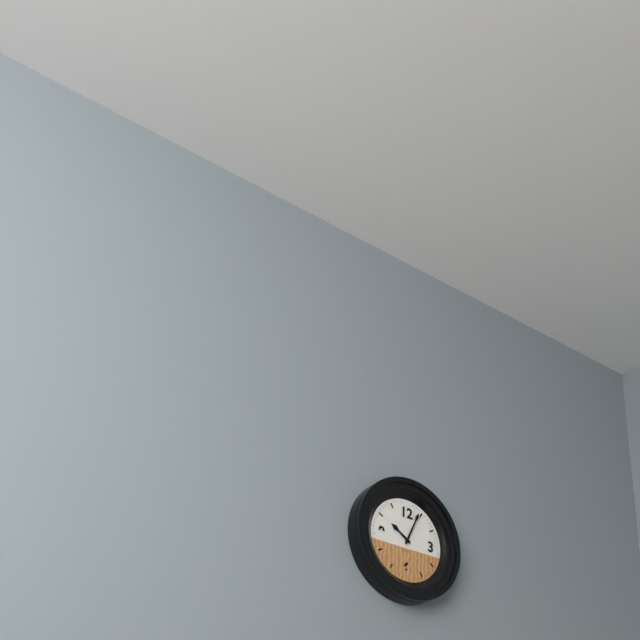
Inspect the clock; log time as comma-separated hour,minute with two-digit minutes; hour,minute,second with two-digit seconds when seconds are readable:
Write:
10,04
